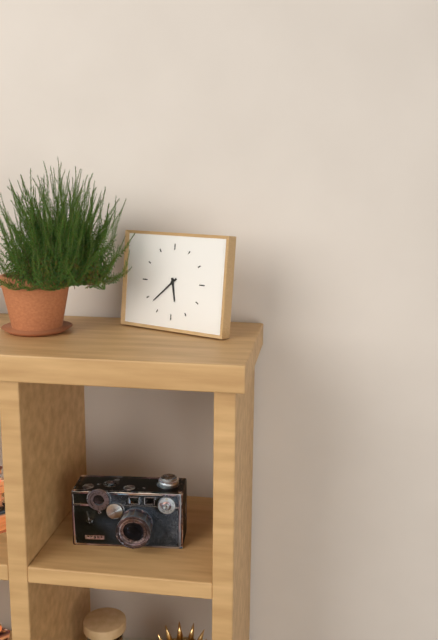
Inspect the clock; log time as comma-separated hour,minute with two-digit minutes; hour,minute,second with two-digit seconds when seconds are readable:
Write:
5,38
